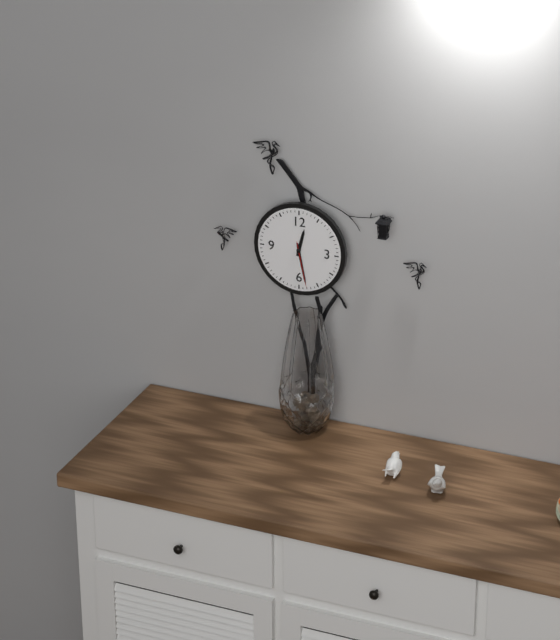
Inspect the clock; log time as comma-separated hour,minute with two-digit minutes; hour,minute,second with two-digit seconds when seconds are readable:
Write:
12,28
